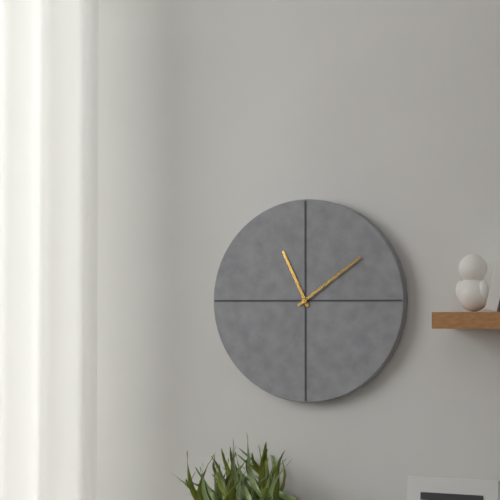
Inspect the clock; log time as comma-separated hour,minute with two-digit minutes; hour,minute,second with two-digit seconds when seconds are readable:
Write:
11,09
